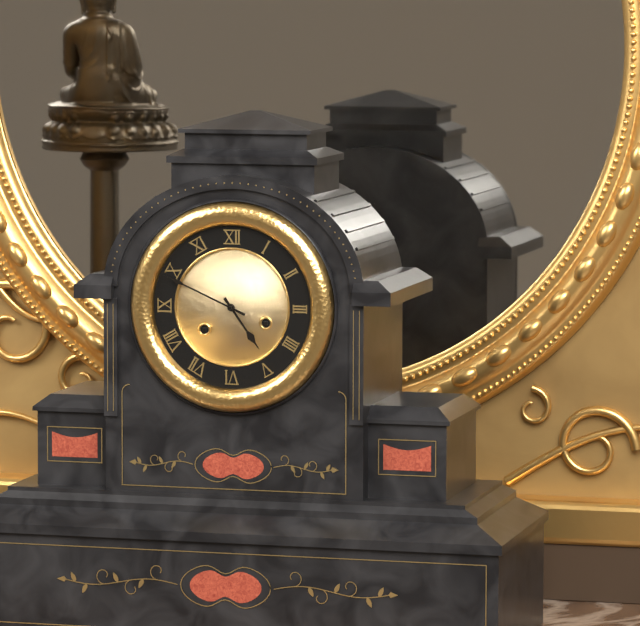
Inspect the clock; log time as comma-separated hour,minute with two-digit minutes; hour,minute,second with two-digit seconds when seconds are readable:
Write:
4,49
